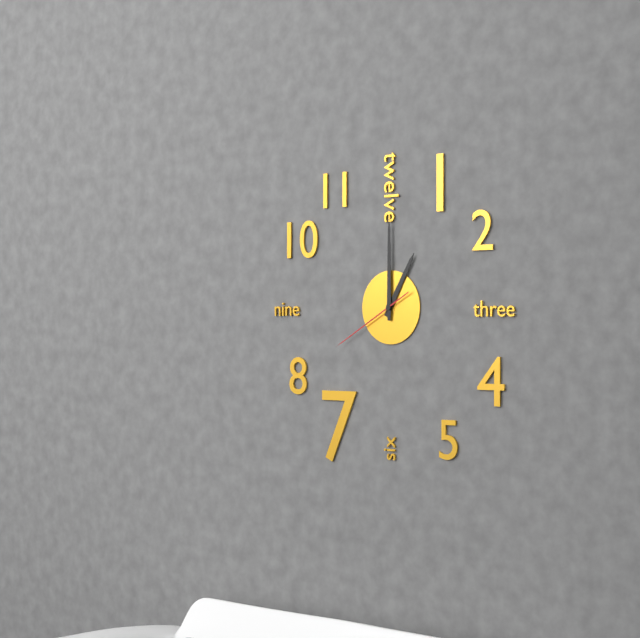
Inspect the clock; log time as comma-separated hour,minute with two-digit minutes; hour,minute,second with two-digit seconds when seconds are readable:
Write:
1,00,40
